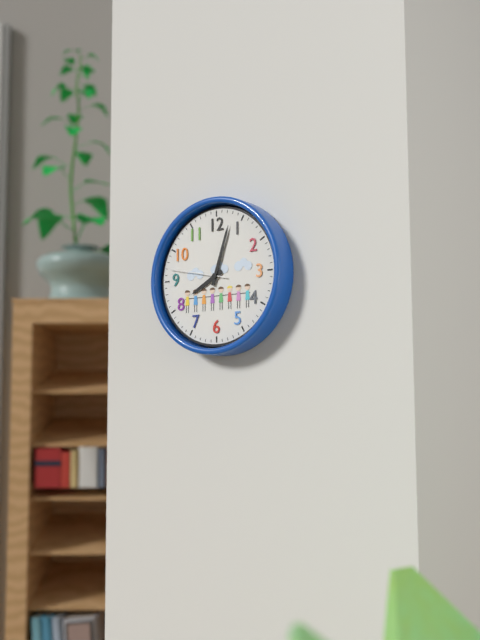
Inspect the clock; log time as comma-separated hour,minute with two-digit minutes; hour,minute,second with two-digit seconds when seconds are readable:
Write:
8,03,47
